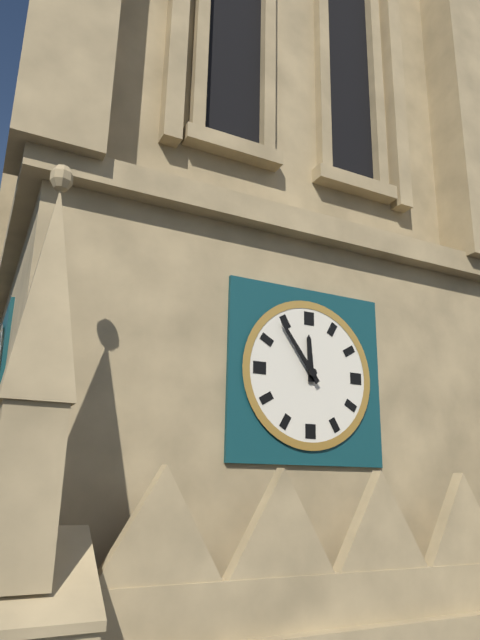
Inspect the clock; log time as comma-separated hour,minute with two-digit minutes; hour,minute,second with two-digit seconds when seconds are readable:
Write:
11,54
